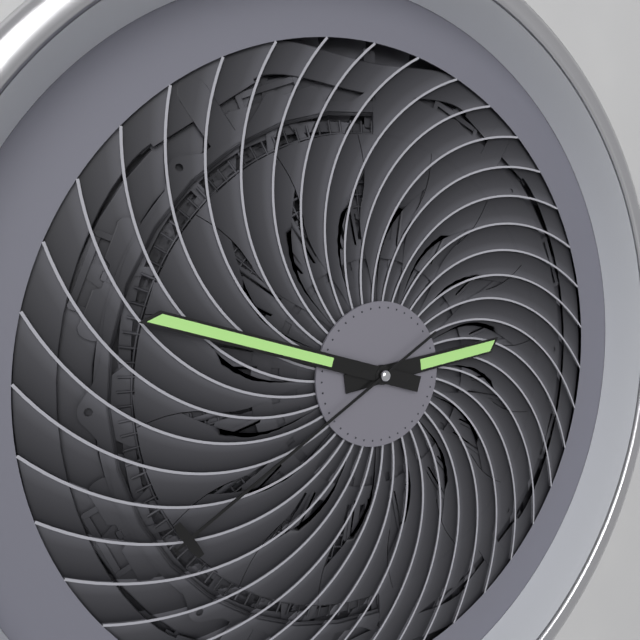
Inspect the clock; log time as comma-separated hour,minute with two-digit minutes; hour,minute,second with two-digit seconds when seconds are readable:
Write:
2,48,40
